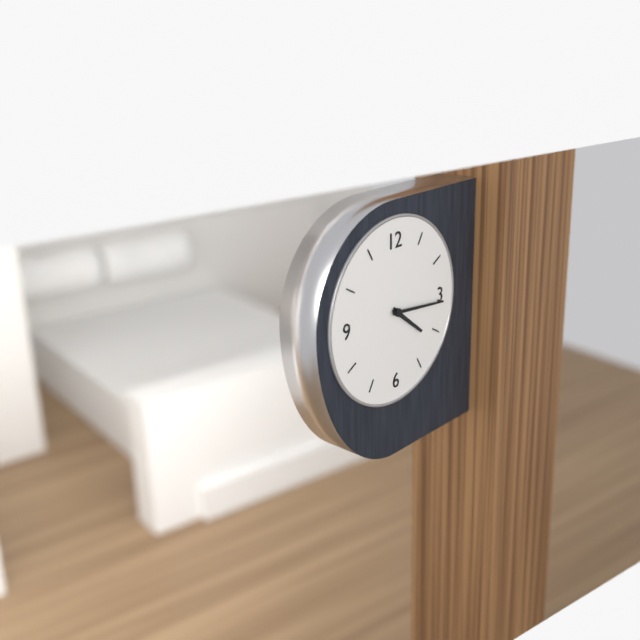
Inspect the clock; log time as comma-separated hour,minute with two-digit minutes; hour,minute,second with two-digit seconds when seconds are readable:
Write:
4,16
